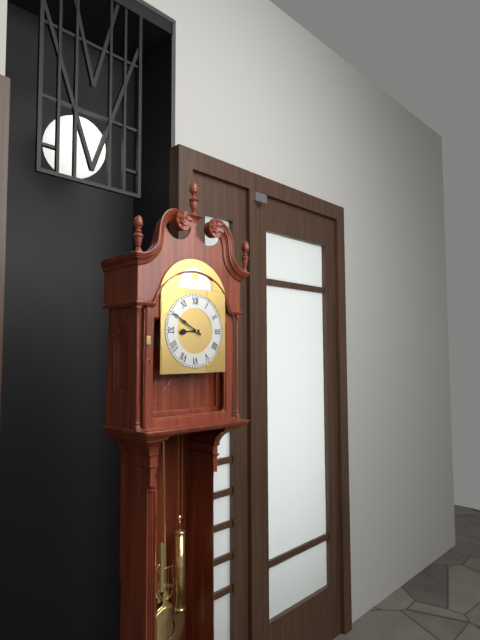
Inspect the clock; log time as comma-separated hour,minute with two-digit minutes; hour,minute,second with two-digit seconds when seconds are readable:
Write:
8,50
